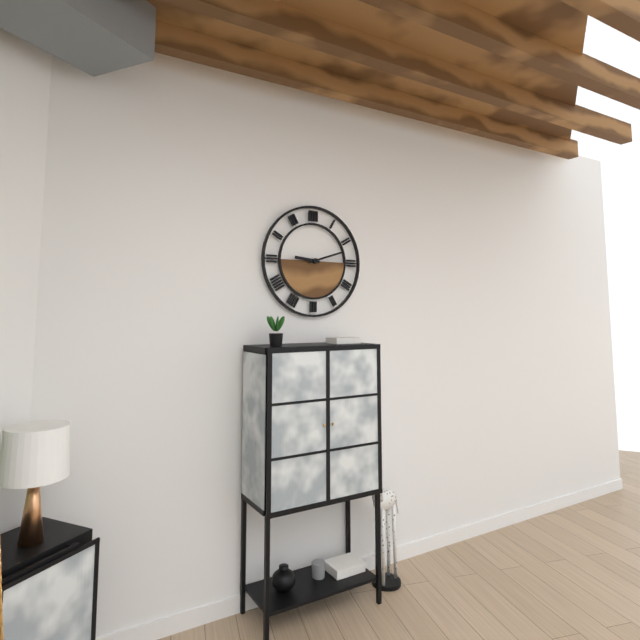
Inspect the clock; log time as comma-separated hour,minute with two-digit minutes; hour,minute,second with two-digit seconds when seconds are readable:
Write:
9,12
